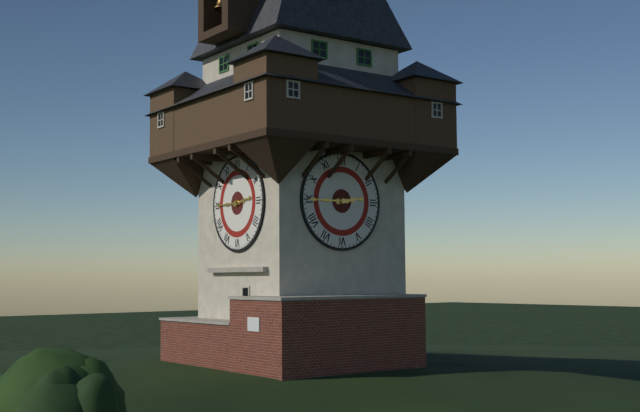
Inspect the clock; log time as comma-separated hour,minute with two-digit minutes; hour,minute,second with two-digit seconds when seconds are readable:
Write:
2,45
